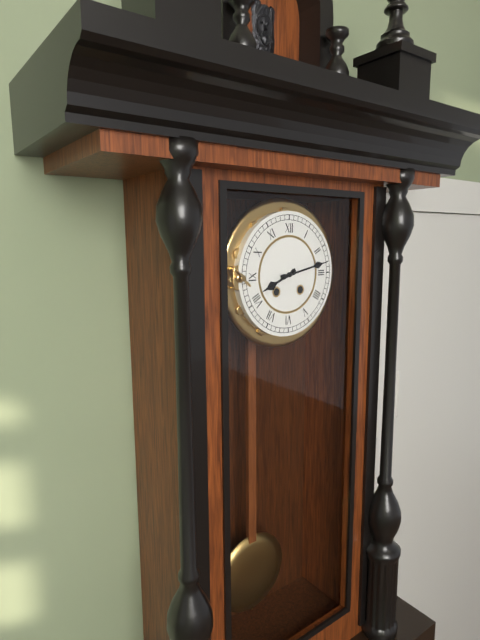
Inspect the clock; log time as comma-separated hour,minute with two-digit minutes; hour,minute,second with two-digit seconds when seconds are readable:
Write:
8,13
